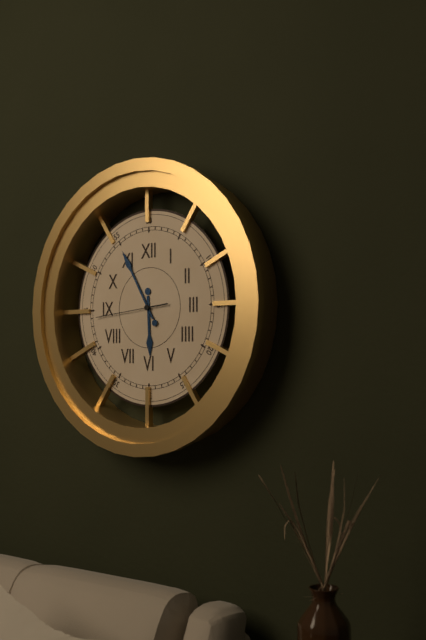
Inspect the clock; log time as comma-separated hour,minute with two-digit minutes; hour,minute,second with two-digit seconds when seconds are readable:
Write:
5,55,44
